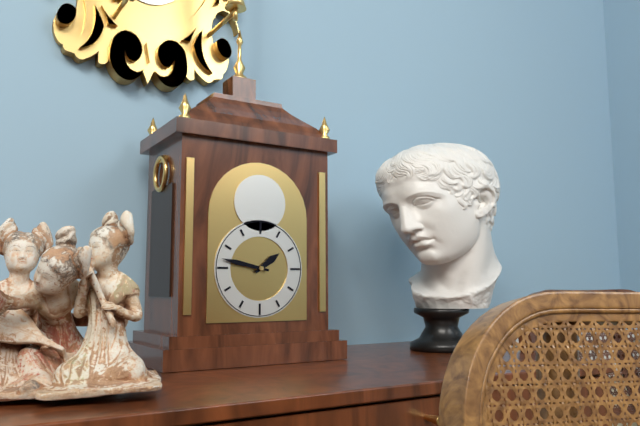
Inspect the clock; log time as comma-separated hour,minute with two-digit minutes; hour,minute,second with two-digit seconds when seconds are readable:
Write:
1,47
